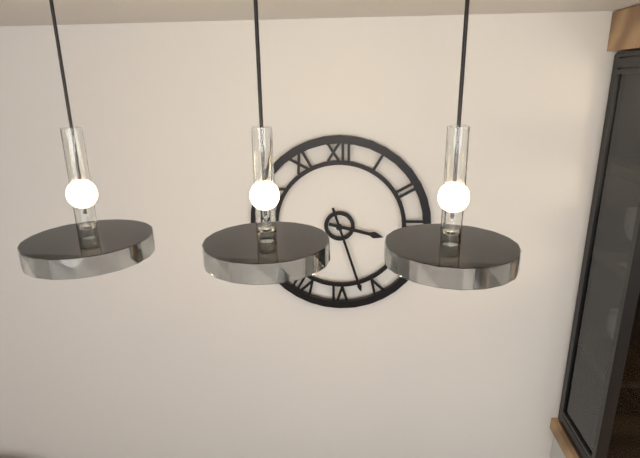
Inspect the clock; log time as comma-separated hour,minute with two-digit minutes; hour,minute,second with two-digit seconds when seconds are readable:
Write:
3,27
